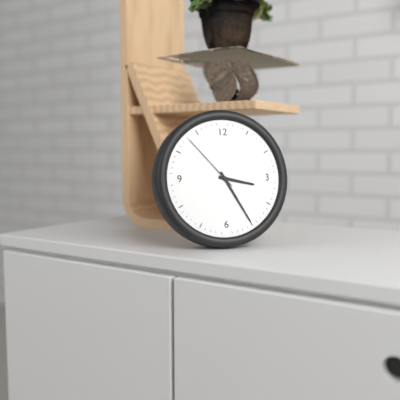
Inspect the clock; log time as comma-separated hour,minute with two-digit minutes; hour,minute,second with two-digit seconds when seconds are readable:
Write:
3,25,53
